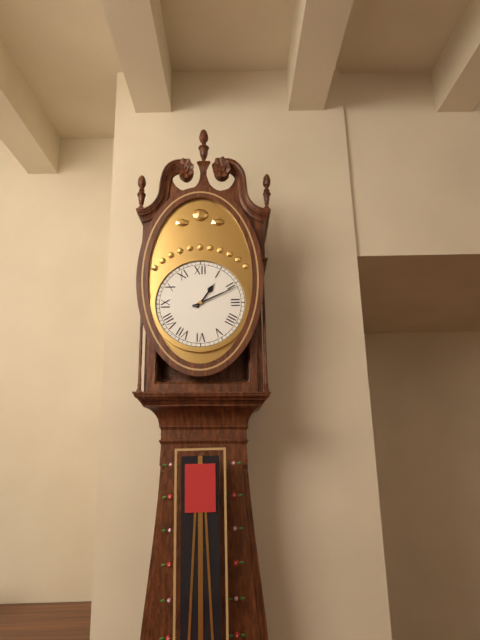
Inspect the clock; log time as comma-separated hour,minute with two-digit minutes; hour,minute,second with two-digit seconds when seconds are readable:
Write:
1,11
